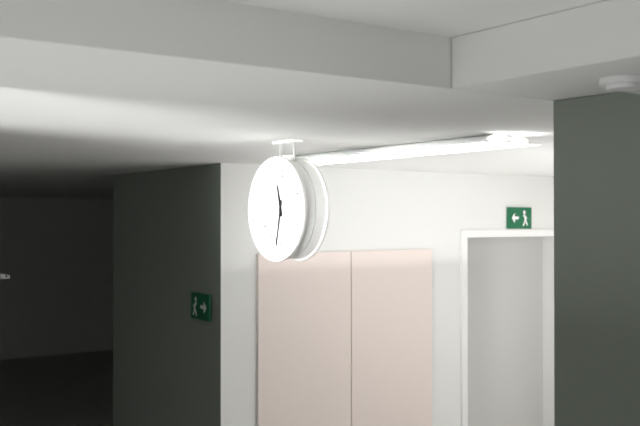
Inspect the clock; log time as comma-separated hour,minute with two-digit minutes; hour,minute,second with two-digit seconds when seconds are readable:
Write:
11,32
